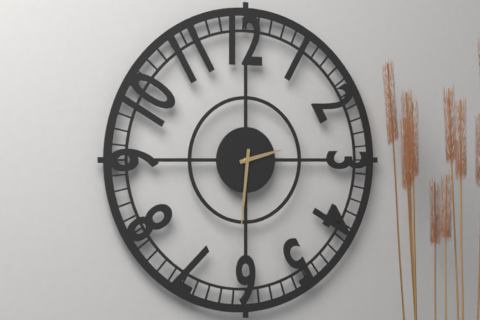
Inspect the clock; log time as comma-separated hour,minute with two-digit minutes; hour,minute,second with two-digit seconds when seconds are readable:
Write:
2,31
